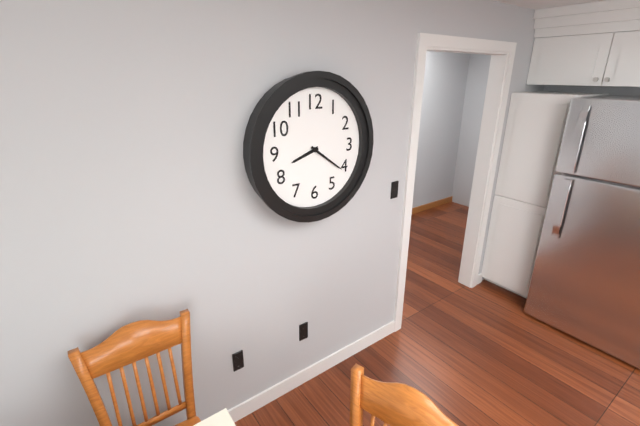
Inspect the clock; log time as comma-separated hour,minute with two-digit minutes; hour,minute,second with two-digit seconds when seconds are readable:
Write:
8,21
